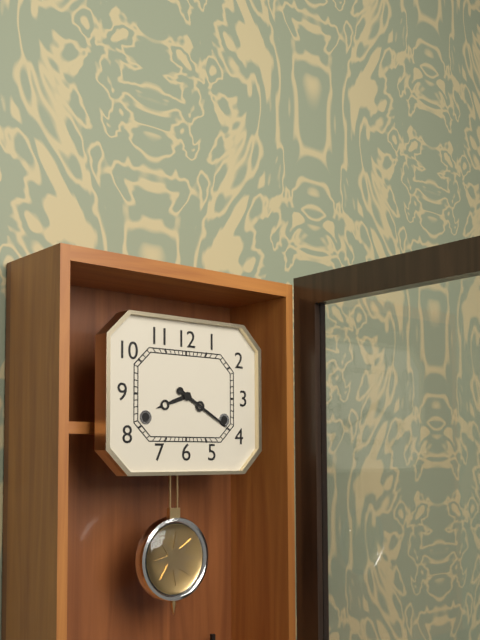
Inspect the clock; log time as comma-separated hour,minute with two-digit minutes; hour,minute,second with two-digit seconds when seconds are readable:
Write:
8,20
